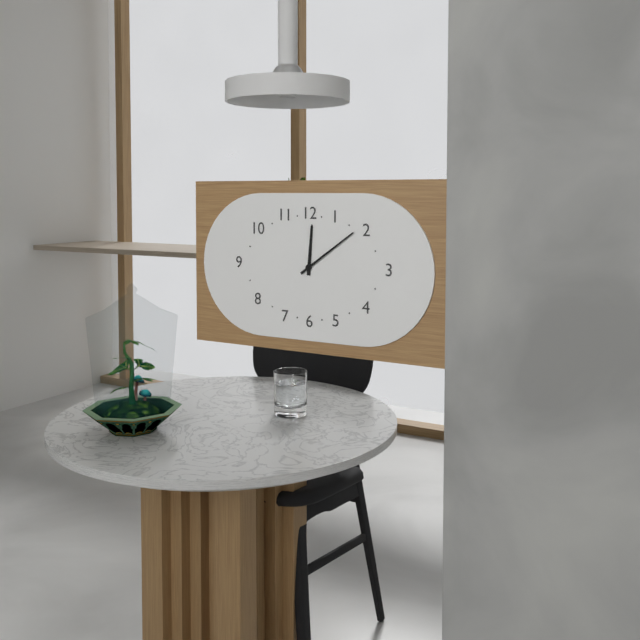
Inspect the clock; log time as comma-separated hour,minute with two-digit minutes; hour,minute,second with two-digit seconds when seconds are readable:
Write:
12,09
